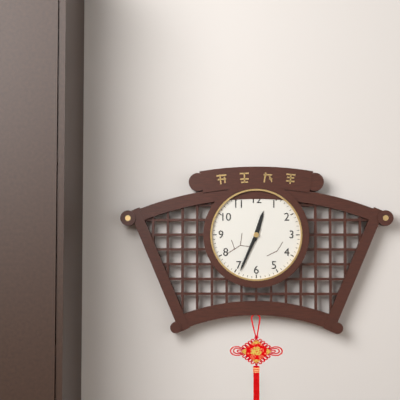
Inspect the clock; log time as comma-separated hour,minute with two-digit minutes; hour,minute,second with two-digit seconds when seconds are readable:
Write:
12,34
